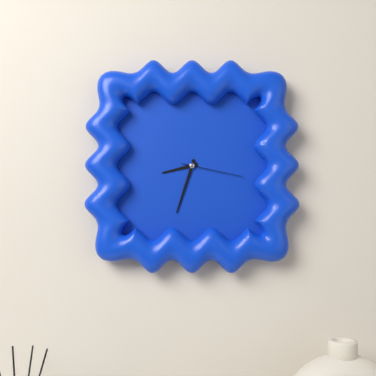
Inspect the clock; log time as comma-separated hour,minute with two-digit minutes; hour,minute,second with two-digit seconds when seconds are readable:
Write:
8,33,17
